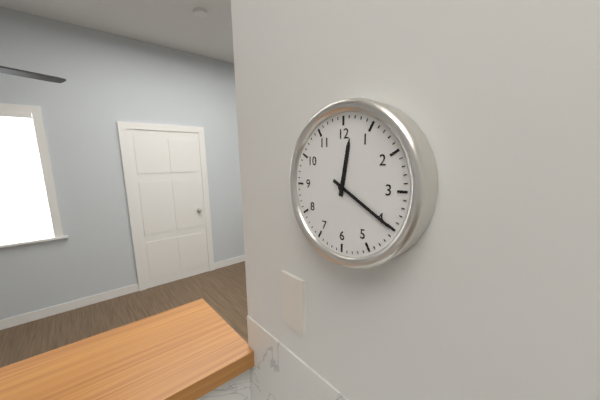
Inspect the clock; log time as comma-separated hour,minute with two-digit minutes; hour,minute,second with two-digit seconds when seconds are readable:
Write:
12,20
